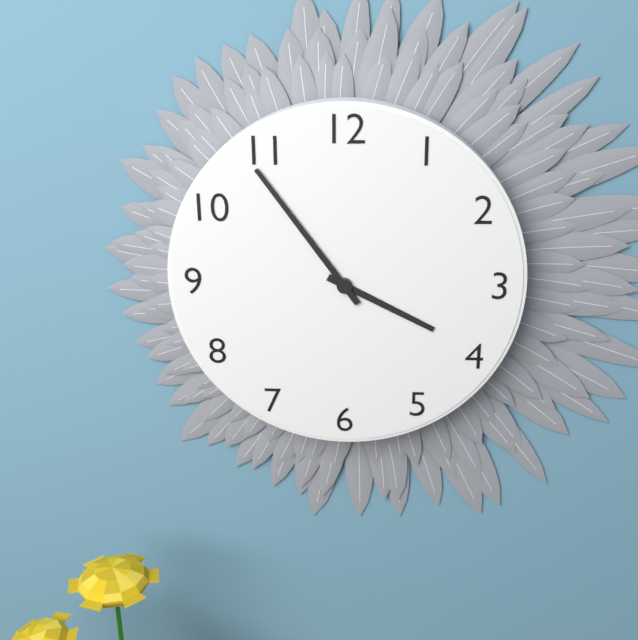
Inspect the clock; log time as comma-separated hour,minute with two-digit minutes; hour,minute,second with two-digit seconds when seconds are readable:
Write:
3,54
